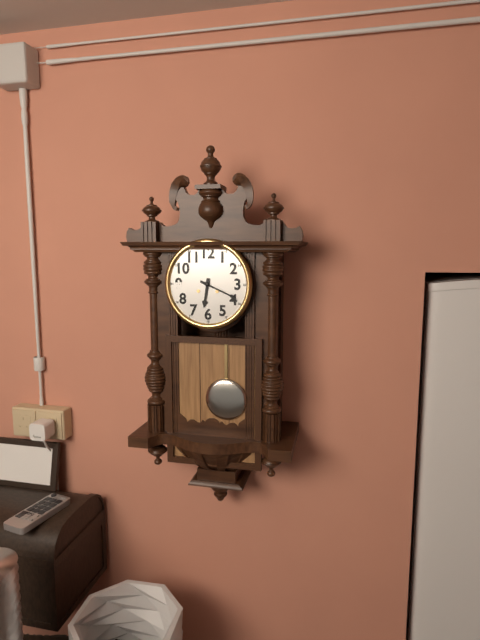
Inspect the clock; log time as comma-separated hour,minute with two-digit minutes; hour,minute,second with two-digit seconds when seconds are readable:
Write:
6,19
